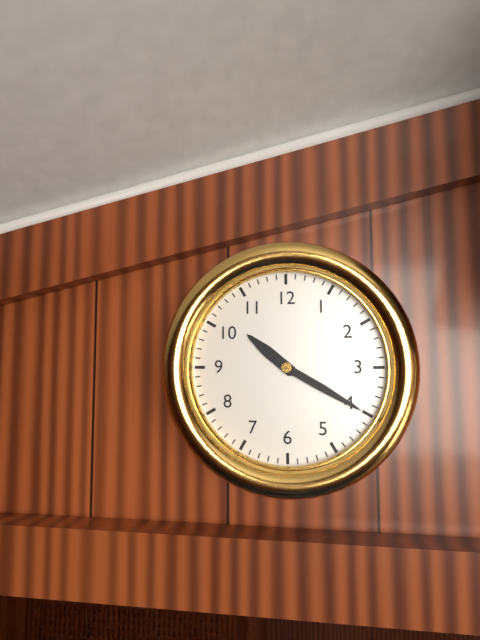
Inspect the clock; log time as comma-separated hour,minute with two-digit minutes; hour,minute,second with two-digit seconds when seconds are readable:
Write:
10,20
